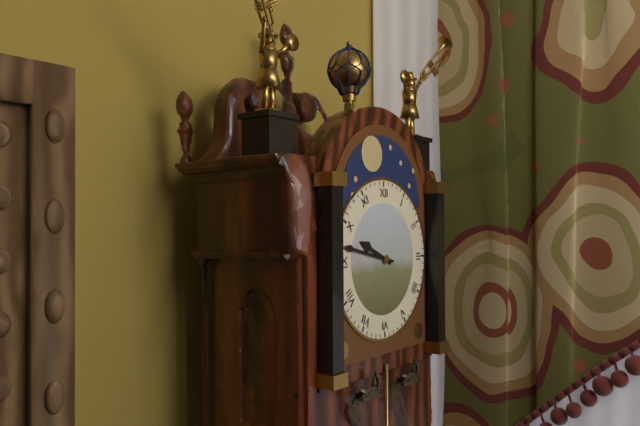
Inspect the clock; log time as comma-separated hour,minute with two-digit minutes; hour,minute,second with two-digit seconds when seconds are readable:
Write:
9,47
